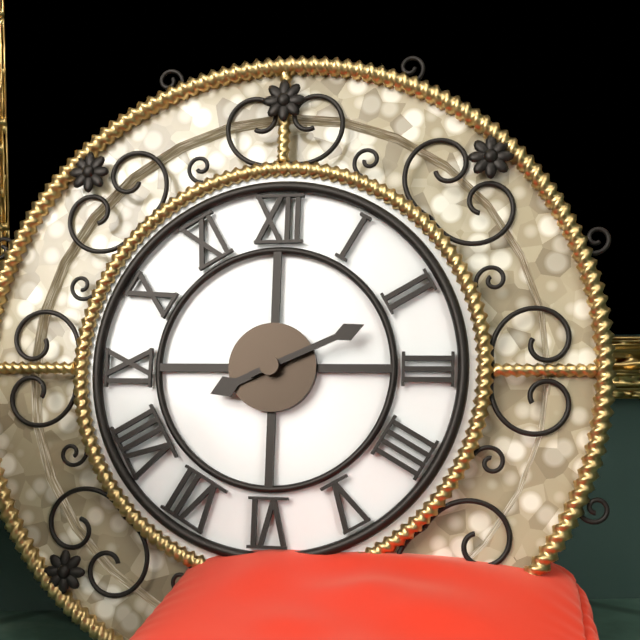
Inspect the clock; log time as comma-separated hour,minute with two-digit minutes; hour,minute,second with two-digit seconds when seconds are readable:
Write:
8,11
